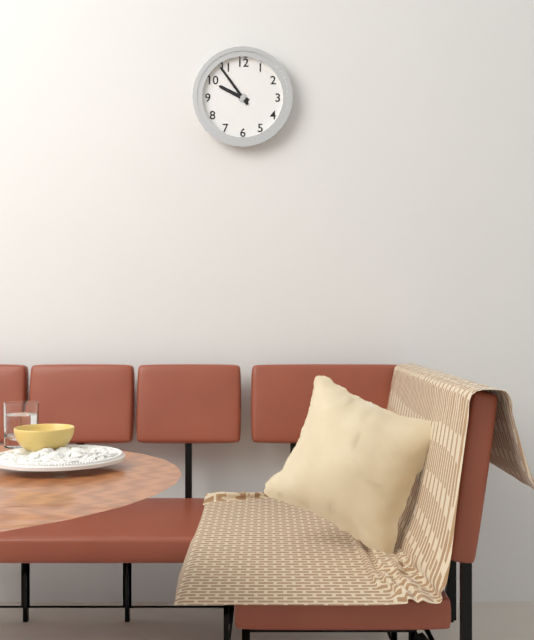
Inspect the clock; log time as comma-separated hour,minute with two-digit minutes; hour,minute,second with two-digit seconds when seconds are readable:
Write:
9,54
